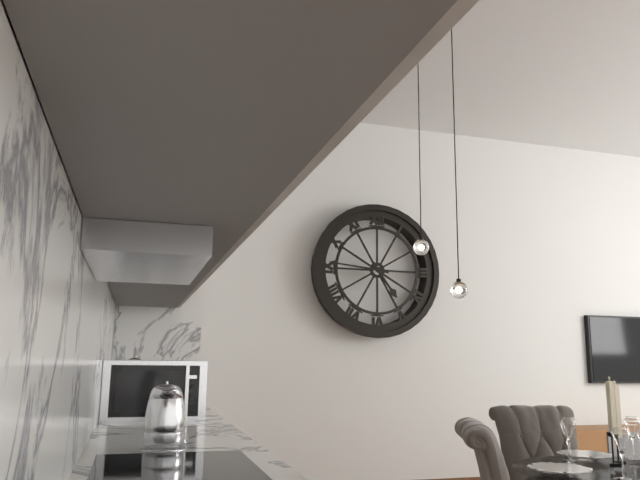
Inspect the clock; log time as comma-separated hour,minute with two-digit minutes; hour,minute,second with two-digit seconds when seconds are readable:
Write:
4,46
